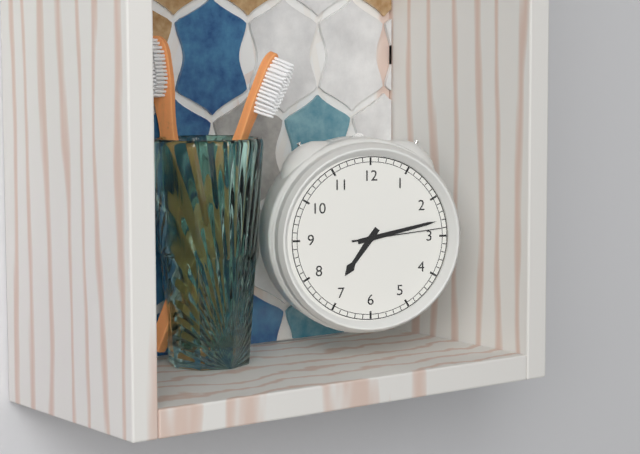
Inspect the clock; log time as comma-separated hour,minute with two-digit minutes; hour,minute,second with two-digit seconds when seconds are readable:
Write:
7,13,14
